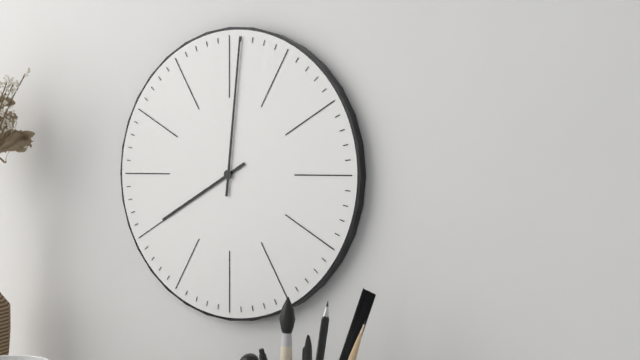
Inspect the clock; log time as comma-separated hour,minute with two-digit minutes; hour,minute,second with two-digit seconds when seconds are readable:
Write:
8,01
